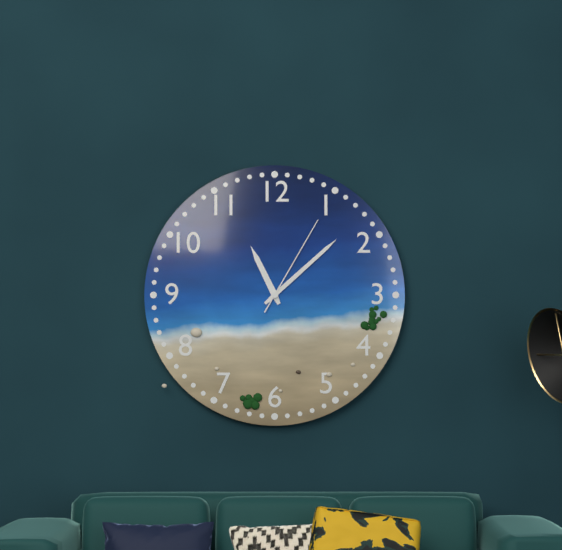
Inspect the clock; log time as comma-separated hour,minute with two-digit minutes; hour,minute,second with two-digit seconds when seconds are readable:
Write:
11,08,05
